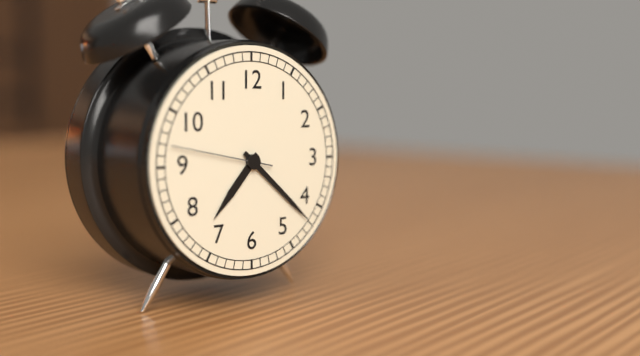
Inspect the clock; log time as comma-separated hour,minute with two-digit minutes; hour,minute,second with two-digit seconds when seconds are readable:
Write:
7,22,47
